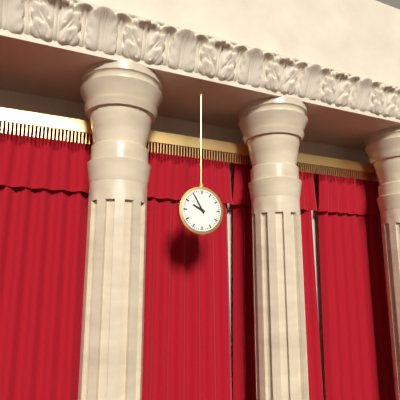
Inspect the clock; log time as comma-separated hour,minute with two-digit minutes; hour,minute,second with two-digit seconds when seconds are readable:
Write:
9,55
